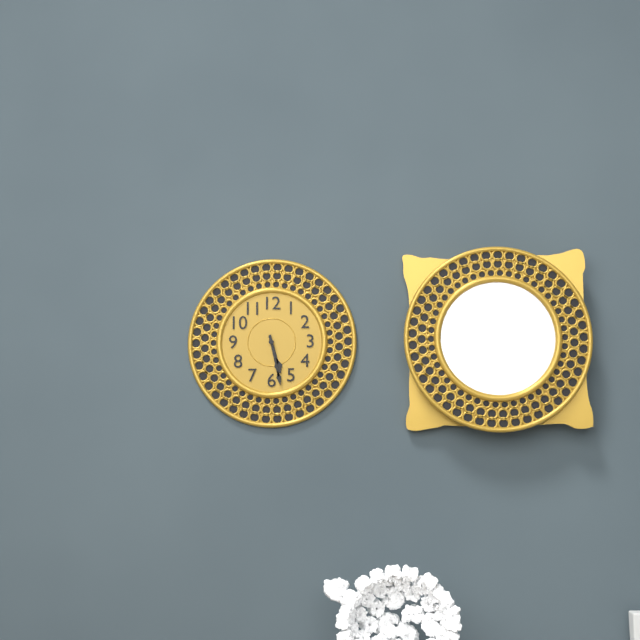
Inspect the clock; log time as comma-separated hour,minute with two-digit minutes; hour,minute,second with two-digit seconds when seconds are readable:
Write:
5,28
